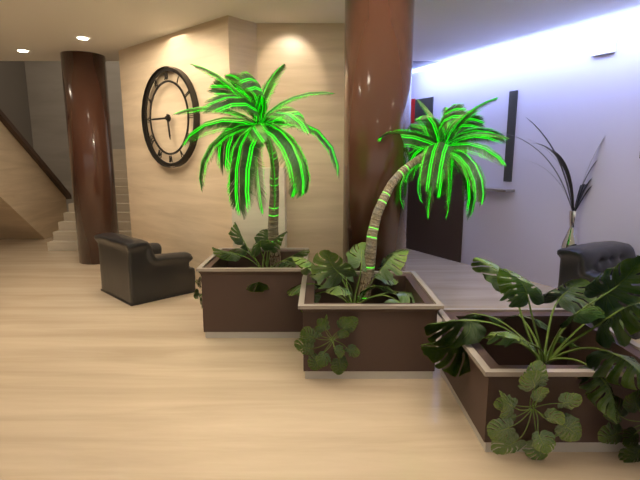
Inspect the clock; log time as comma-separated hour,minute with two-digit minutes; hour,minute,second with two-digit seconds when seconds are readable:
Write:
5,45
